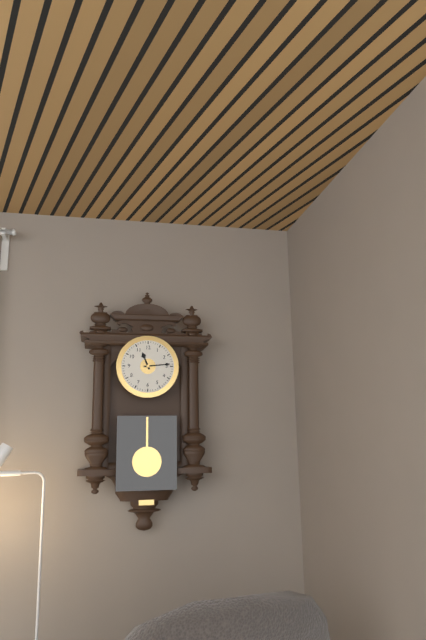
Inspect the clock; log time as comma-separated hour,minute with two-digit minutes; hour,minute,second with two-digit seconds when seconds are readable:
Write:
11,14
